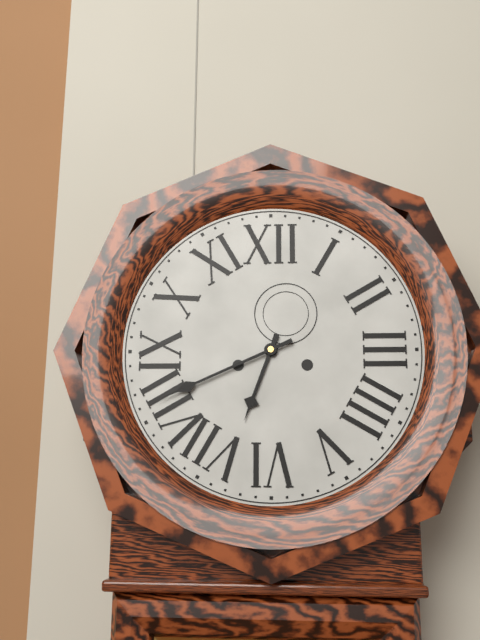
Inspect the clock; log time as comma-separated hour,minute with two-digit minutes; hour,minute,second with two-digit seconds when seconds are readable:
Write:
6,41
